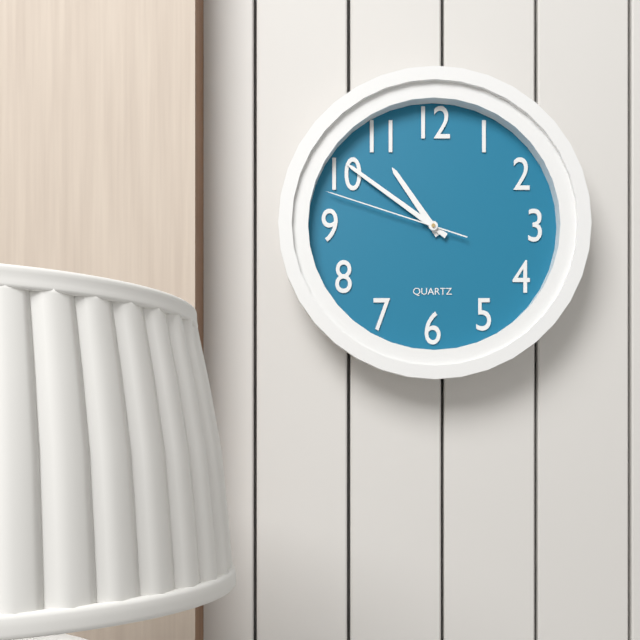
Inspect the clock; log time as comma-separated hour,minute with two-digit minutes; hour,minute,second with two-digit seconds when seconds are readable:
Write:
10,51,48
